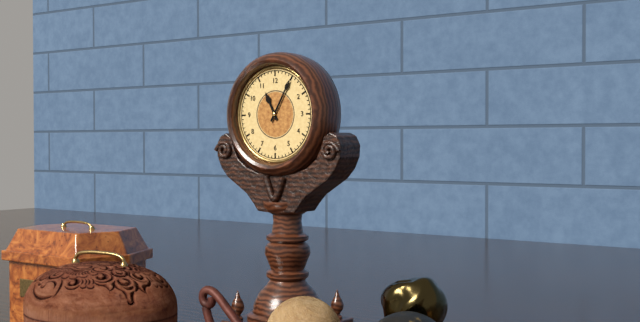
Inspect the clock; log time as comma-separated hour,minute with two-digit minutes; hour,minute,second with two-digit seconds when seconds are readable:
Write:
11,05
